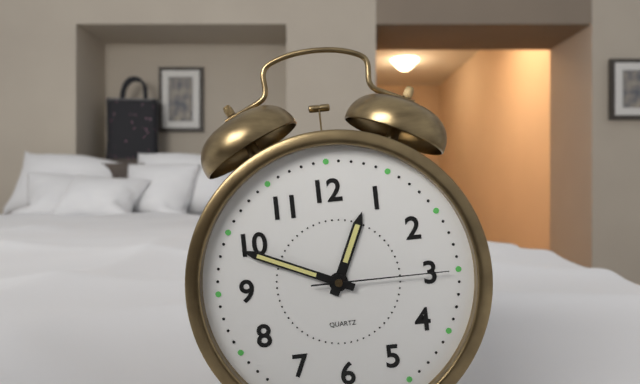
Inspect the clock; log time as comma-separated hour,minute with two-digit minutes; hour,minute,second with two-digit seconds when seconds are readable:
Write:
12,49,15
